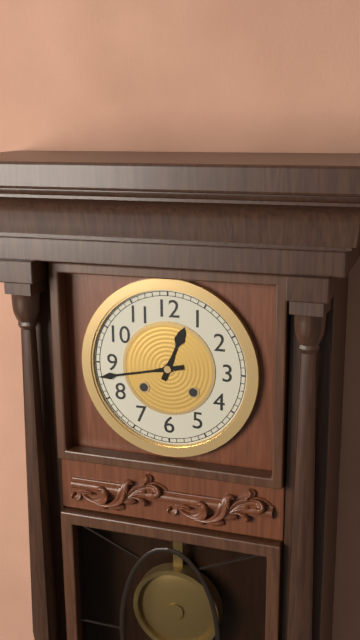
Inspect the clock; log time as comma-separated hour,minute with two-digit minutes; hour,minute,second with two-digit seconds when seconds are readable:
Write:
12,43
